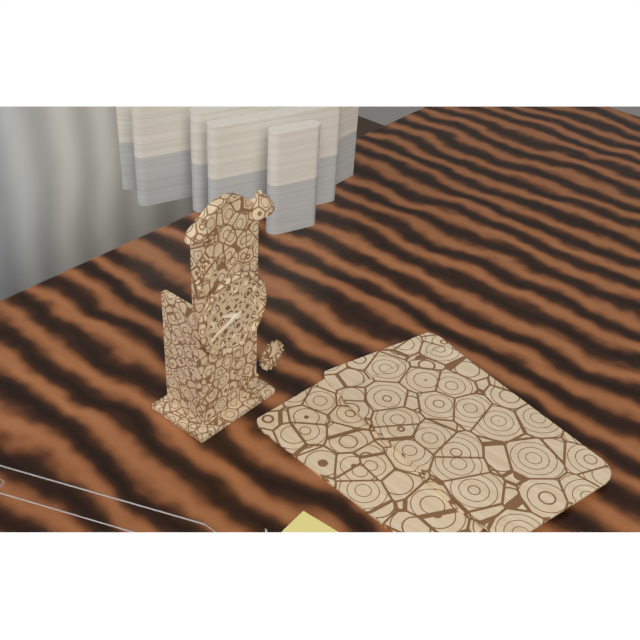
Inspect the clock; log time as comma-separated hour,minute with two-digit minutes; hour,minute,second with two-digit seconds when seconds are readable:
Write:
9,42
